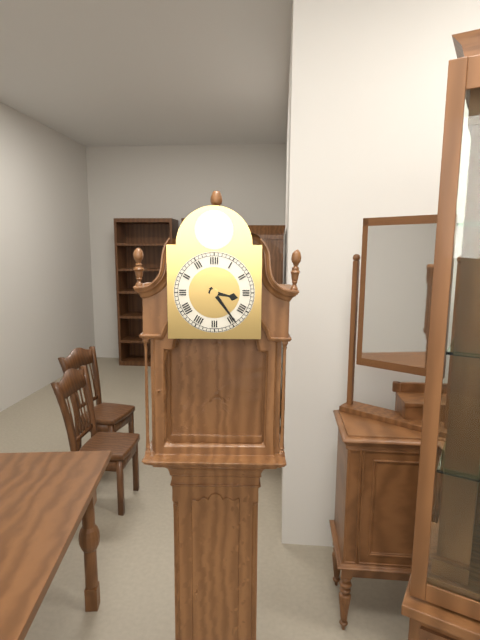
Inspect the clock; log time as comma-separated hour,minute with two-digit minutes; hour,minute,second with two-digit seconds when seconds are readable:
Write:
3,24
